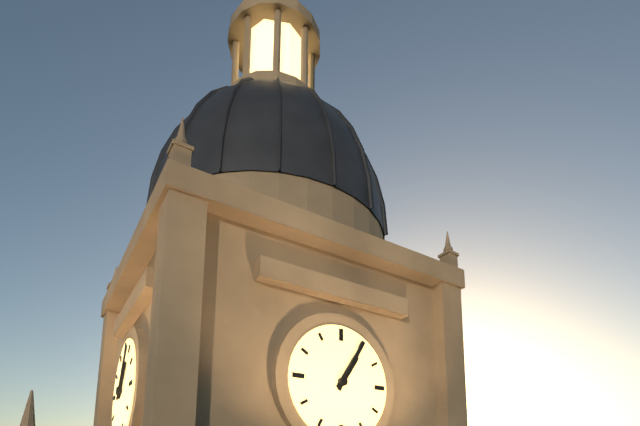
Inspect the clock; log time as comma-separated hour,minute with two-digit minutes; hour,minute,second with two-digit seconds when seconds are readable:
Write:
1,05
